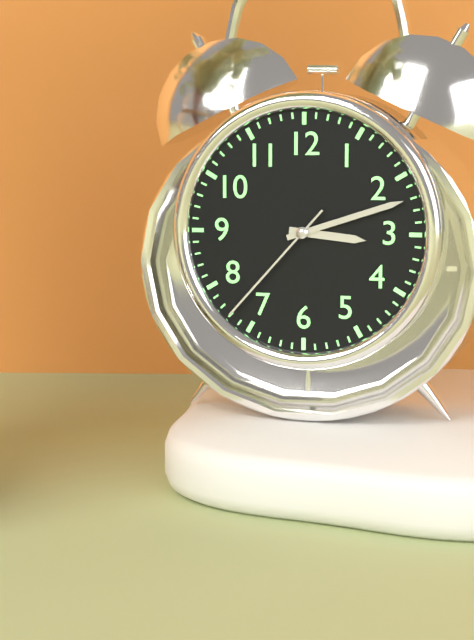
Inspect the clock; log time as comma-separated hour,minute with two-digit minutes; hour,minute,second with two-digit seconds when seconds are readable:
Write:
3,12,37
